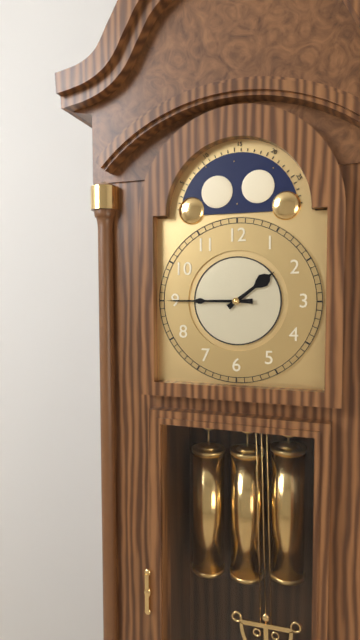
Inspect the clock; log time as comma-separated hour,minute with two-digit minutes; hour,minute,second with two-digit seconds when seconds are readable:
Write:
1,45
